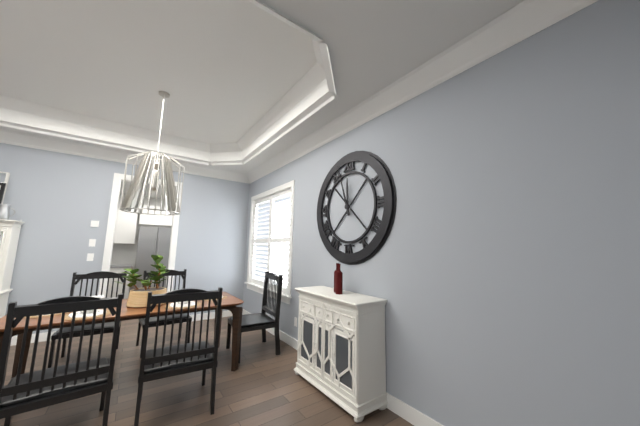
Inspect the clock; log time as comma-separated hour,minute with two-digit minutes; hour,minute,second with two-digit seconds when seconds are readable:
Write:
11,57
